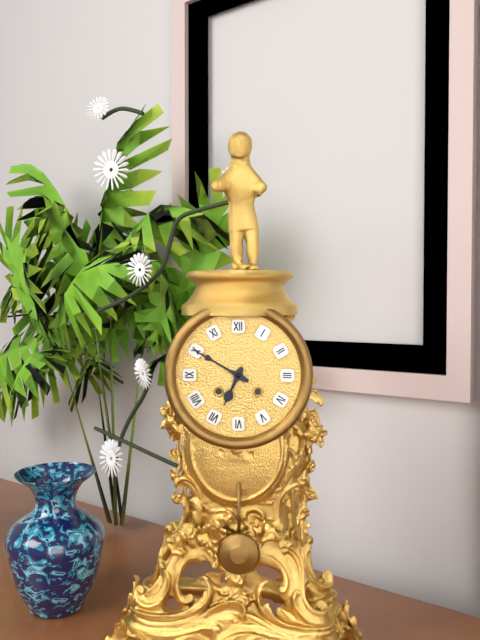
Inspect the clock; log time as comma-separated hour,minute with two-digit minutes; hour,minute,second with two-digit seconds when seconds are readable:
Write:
6,50
